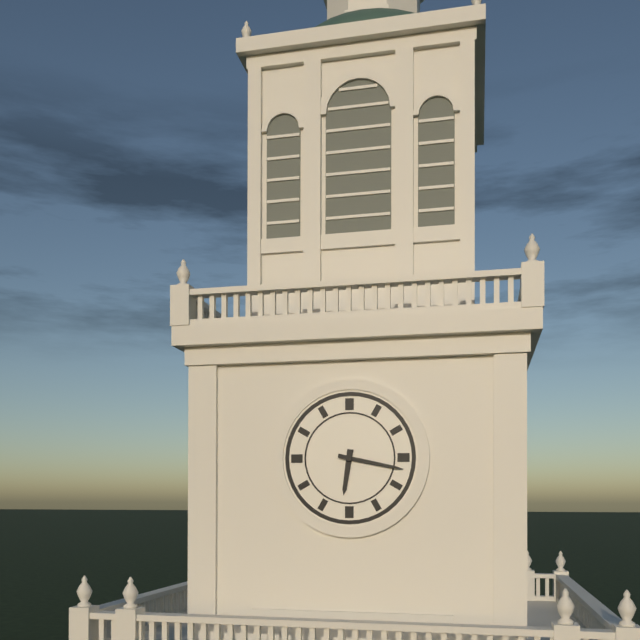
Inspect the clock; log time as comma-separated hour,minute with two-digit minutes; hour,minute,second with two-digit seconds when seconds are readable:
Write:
6,17
